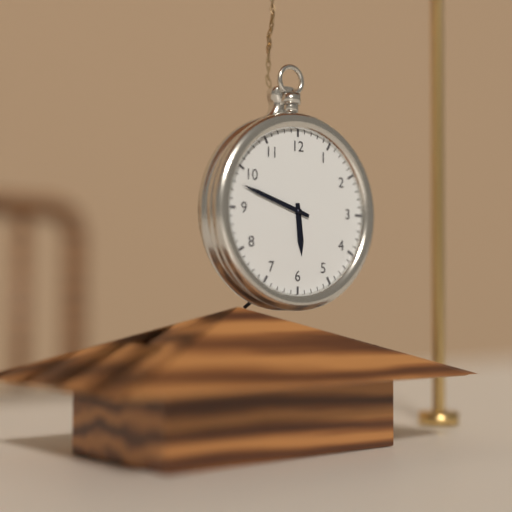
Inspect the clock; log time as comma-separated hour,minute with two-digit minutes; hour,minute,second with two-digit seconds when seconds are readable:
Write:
5,48
